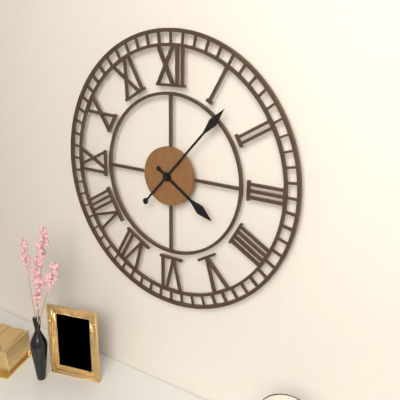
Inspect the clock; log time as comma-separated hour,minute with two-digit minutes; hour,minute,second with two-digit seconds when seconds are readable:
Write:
4,07
